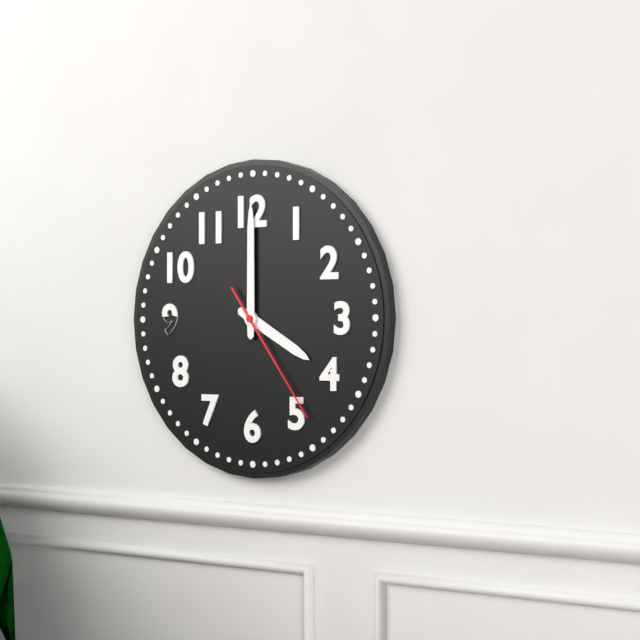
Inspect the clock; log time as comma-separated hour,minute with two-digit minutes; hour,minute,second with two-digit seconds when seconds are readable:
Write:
4,00,24
